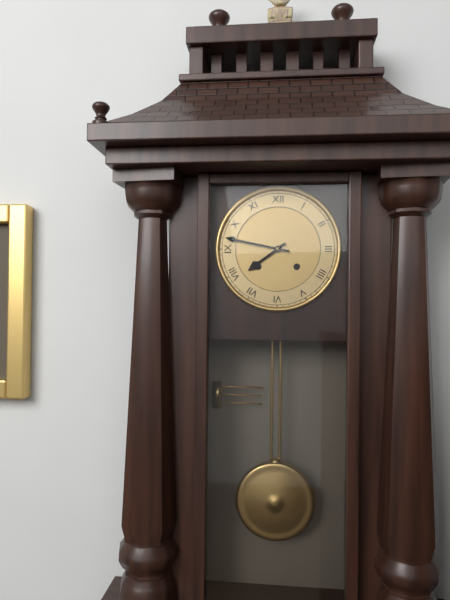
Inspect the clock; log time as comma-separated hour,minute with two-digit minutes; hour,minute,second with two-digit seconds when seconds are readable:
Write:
7,47
